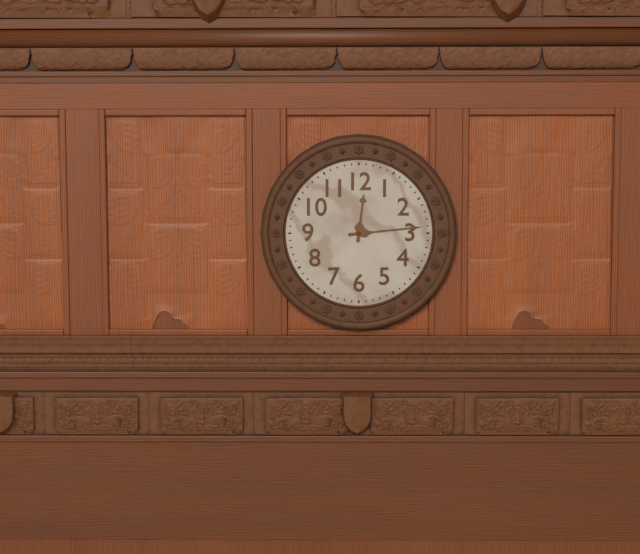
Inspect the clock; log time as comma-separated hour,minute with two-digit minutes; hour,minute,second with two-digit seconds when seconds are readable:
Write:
12,14
